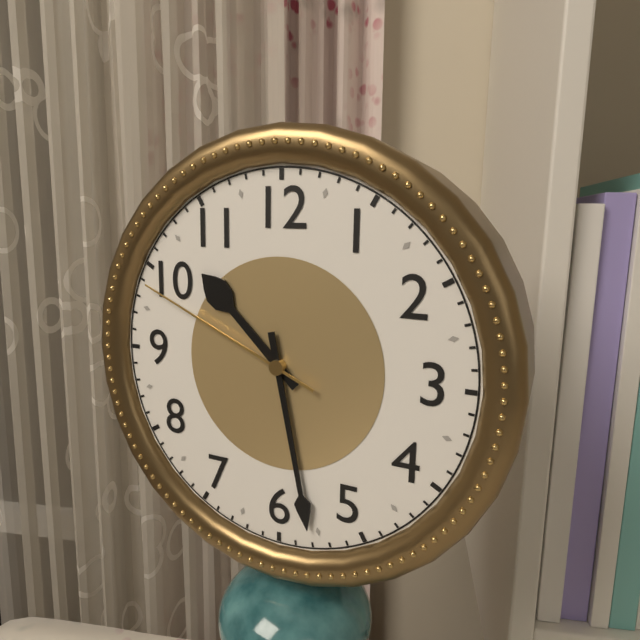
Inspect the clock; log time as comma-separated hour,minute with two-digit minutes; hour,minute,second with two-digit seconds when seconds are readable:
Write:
10,28,49
